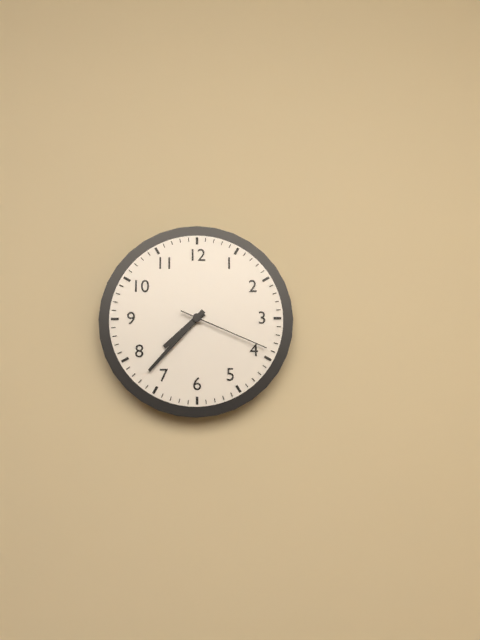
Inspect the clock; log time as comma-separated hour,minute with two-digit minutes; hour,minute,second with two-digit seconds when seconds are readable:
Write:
7,37,19
